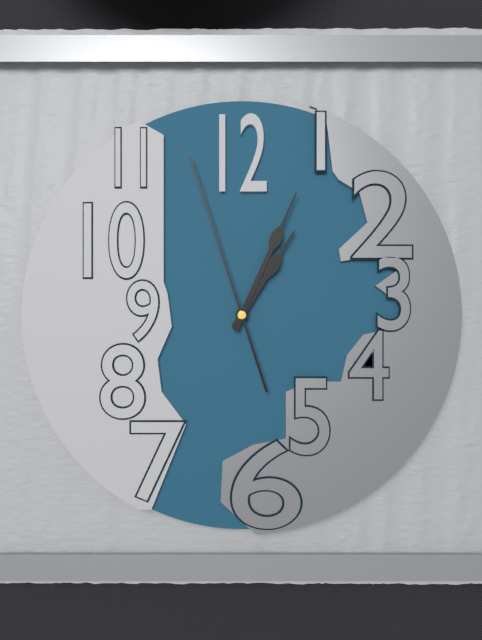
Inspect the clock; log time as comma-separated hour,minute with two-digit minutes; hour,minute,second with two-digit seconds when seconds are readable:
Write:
1,04,57
